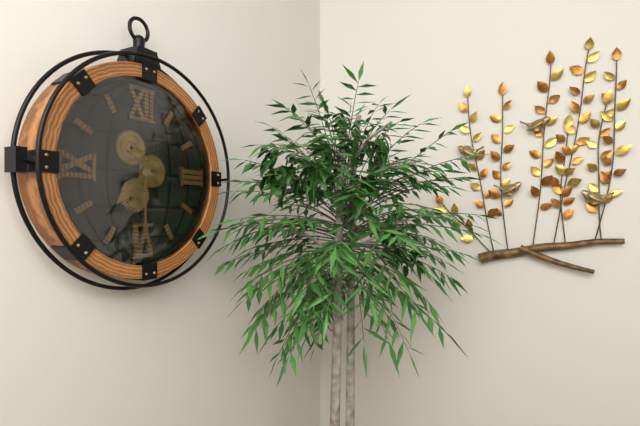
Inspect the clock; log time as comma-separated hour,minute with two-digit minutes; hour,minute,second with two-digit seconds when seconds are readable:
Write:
7,30
